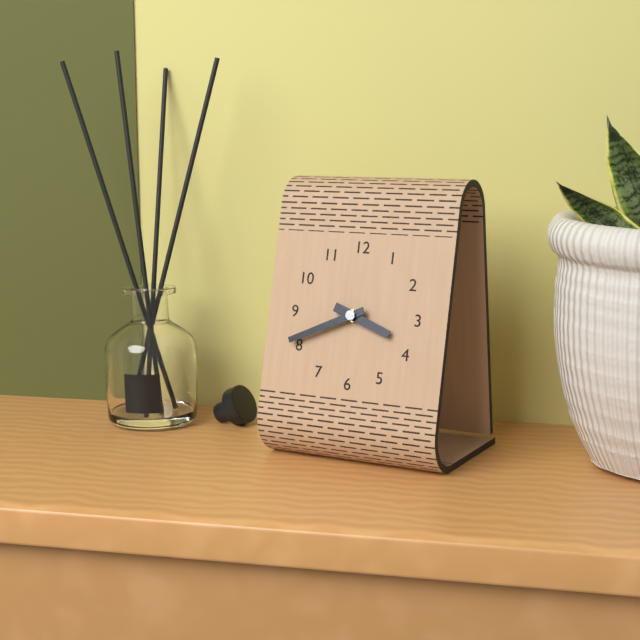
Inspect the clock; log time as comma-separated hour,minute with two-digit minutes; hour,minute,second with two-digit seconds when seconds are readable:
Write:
3,41
